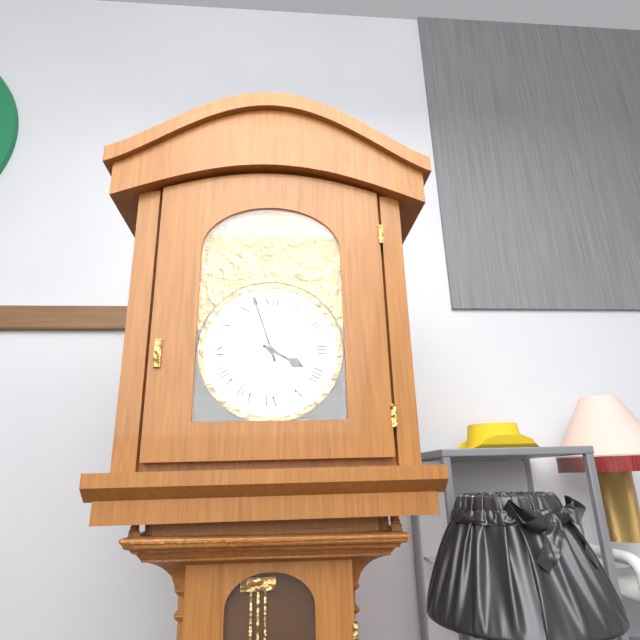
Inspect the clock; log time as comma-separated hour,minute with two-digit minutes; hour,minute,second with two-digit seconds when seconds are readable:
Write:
3,57
